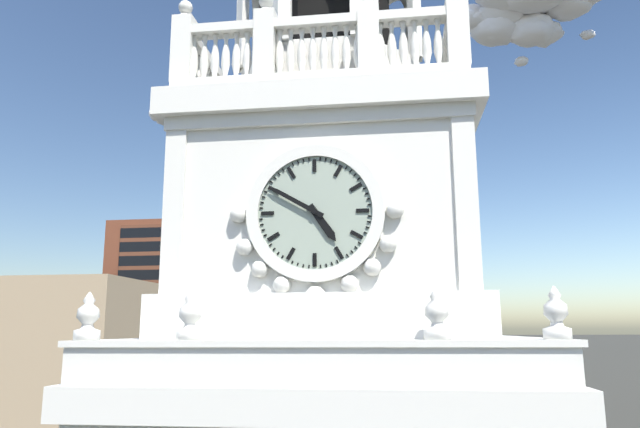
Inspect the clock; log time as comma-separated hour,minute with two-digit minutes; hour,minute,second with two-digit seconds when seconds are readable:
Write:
4,50
